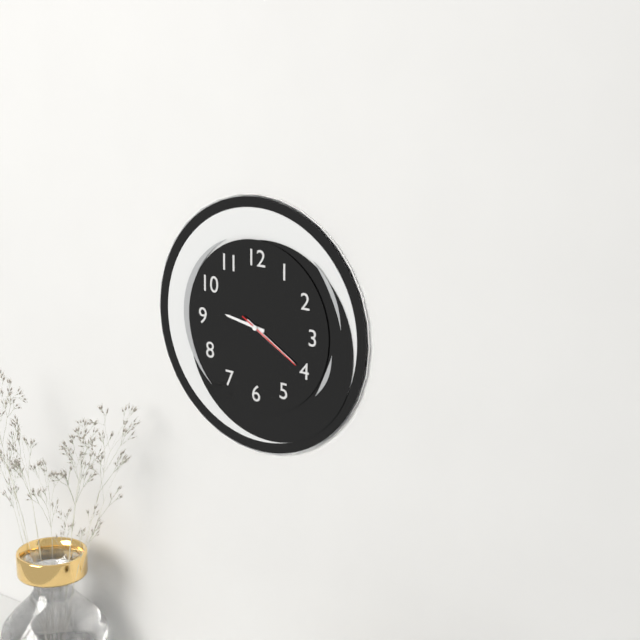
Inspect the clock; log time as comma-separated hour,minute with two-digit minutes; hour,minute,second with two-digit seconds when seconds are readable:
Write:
9,20,20
